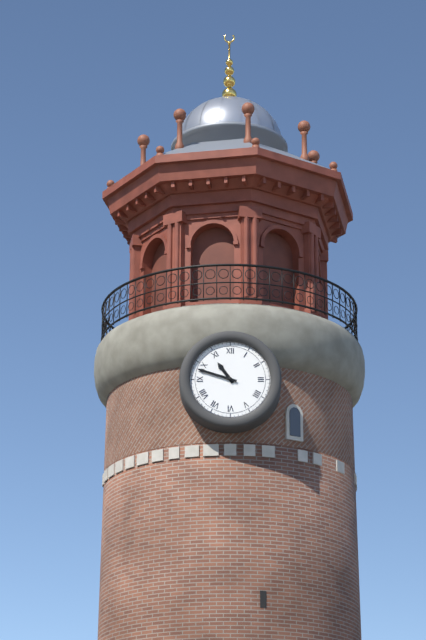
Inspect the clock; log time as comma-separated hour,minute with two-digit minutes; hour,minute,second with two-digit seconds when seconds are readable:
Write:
10,48
